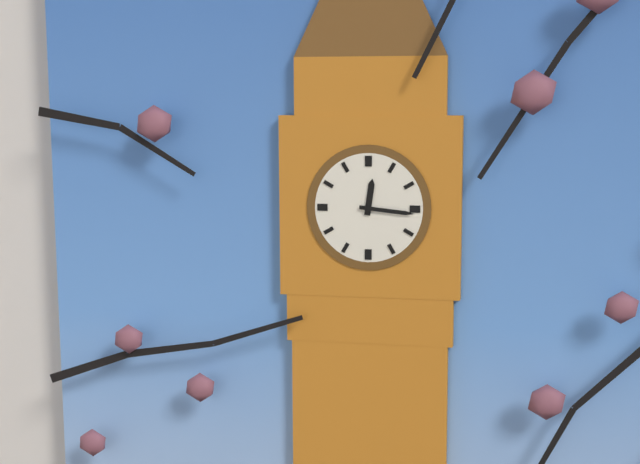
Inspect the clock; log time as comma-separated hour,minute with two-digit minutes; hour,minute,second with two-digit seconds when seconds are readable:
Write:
12,16
